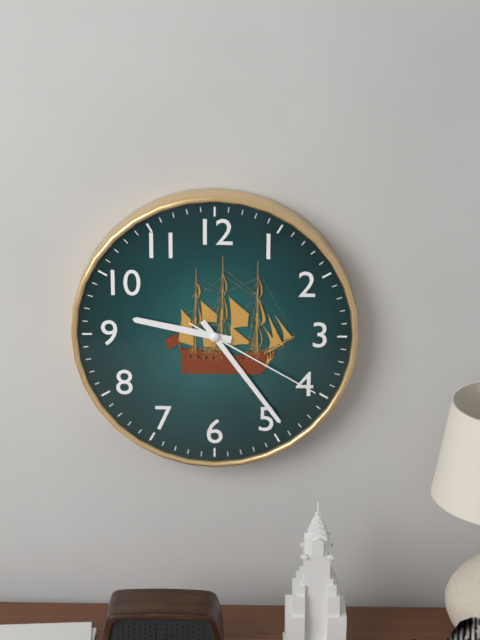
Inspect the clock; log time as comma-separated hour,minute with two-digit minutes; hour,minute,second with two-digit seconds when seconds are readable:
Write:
9,24,20
